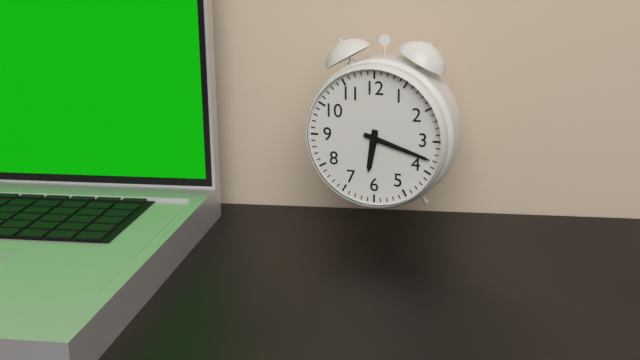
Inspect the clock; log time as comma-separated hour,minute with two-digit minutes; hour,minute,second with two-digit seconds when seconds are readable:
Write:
6,18
